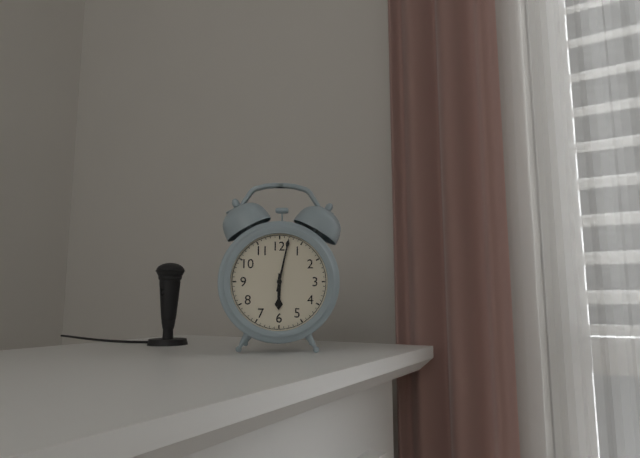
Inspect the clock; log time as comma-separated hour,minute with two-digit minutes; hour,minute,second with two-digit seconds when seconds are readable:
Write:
6,02
